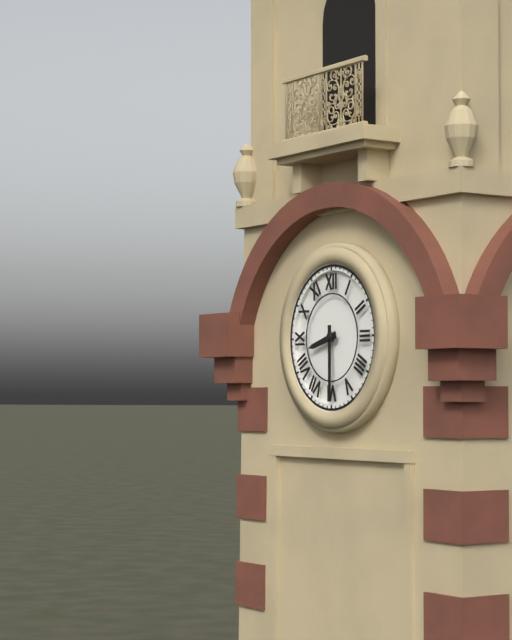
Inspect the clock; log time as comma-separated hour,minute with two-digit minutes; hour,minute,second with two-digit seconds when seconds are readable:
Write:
8,30
